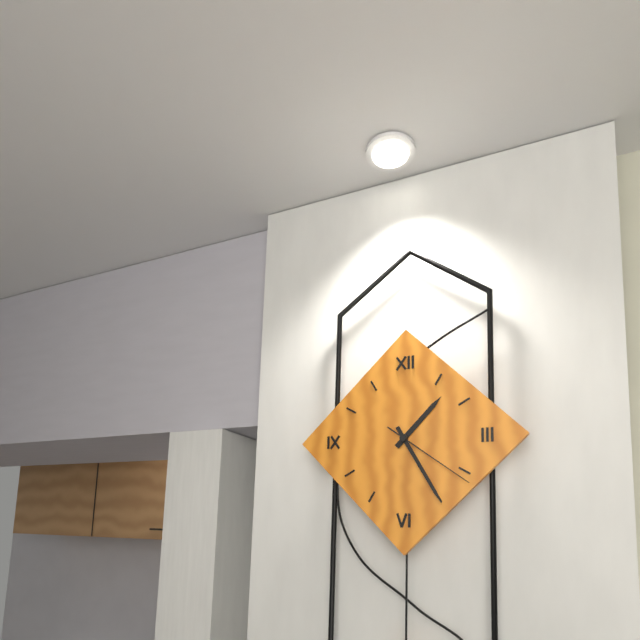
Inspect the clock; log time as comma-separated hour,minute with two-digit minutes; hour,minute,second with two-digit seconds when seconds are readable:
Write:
1,25,21
